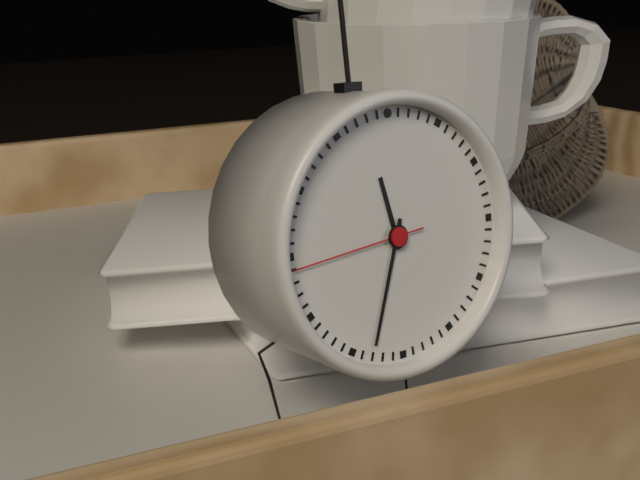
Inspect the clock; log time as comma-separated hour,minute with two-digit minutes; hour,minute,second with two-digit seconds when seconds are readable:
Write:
11,33,44
